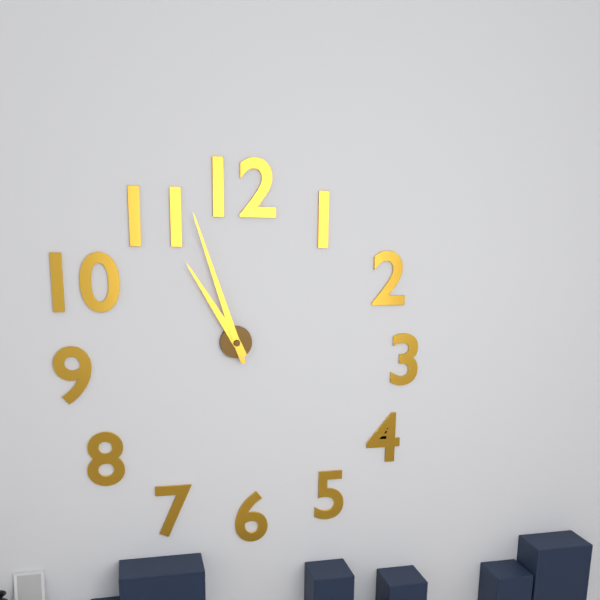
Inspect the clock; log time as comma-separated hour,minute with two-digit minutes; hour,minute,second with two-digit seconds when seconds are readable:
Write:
10,57
